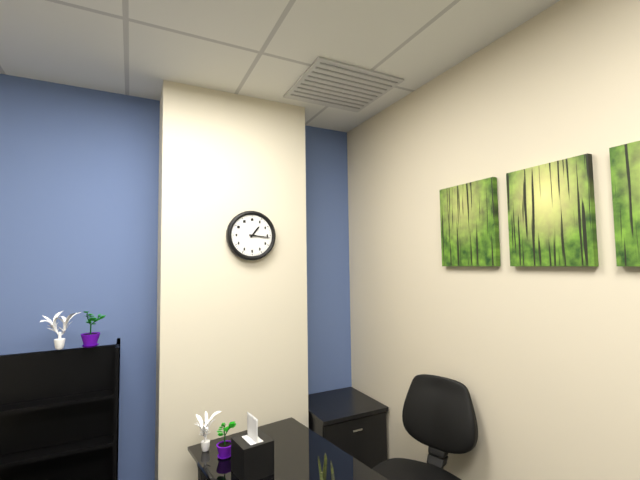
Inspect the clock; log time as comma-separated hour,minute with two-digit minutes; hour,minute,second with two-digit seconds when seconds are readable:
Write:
1,16
